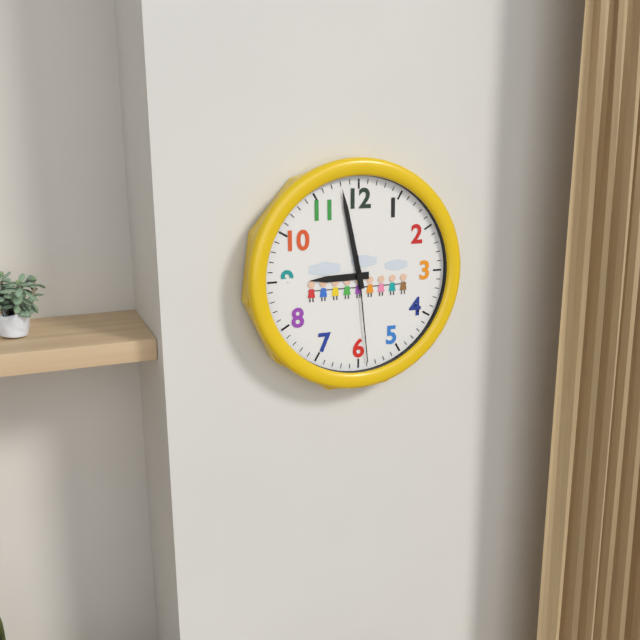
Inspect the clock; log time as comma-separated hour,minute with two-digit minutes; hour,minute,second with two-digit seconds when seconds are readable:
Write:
8,58,29
